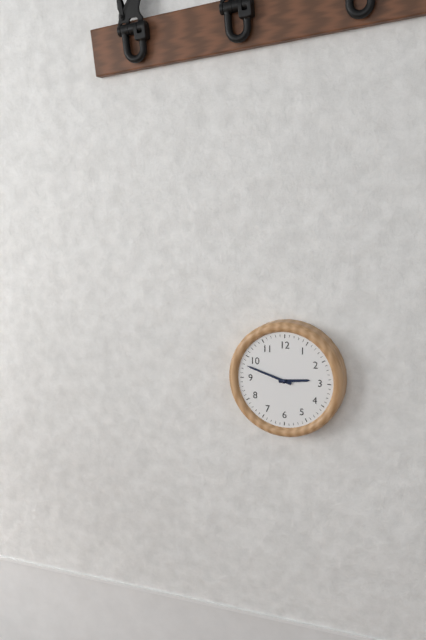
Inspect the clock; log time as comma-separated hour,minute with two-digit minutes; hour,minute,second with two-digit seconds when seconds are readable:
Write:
2,48
